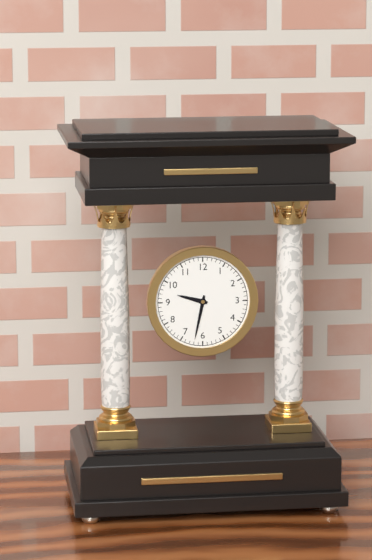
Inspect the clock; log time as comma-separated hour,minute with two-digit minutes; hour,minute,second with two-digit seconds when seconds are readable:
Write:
9,32
